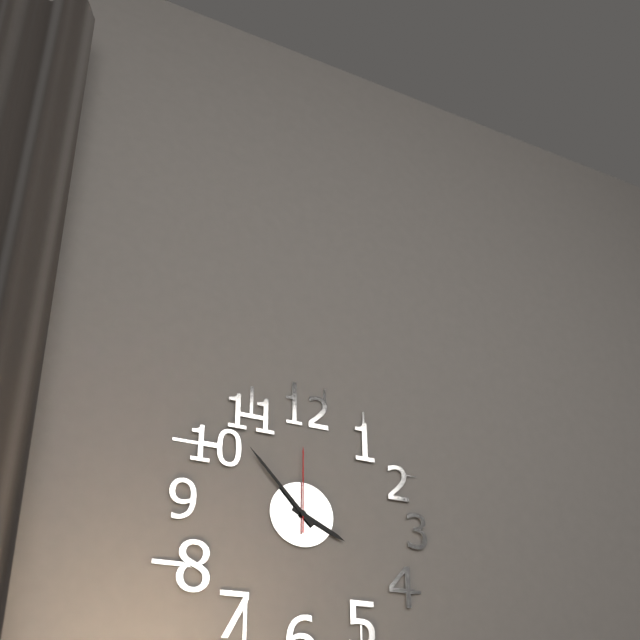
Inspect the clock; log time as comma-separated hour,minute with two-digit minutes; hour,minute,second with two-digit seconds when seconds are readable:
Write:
3,53,00
